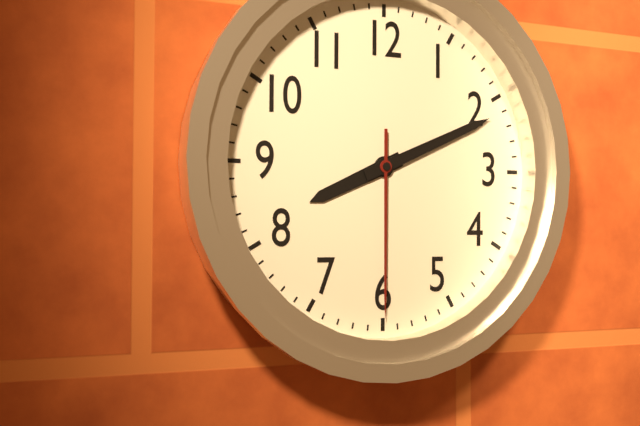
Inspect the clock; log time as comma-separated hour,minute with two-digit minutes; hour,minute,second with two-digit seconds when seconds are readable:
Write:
8,11,30
